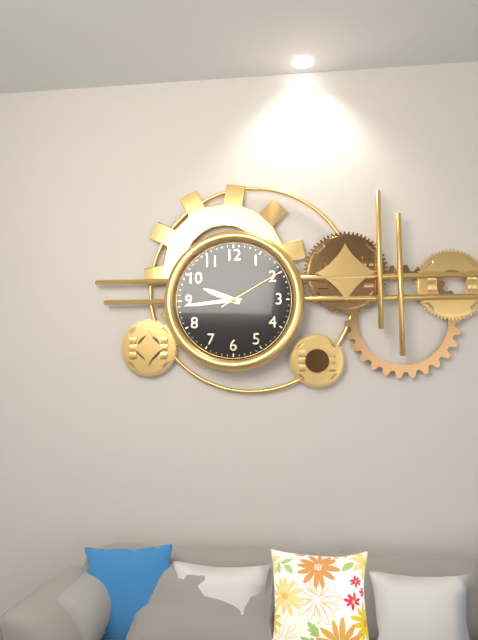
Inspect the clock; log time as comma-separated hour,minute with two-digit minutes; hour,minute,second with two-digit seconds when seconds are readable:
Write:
9,44,10
